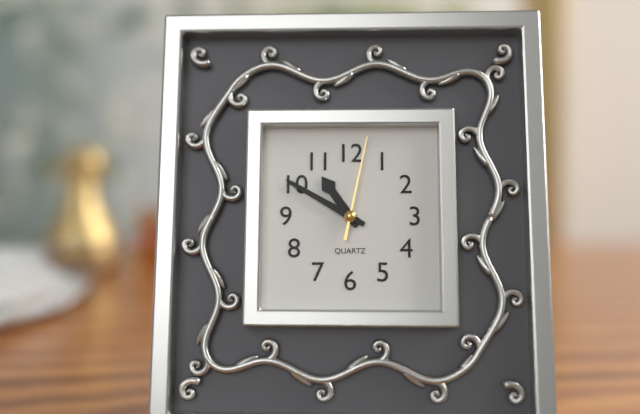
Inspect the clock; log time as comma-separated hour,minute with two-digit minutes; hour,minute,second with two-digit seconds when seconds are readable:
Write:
10,50,02
